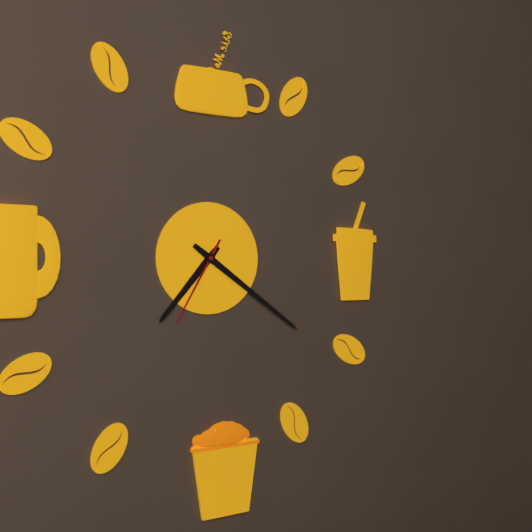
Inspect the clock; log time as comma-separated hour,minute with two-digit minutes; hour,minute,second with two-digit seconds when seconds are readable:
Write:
7,21,35
